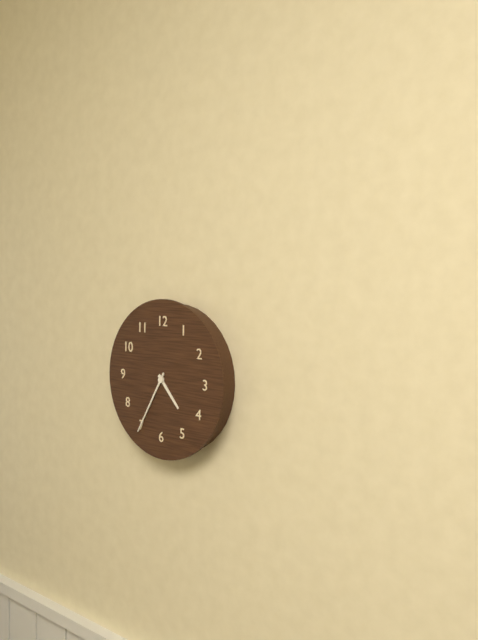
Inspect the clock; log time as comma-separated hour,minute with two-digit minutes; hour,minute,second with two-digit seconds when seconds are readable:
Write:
4,35
